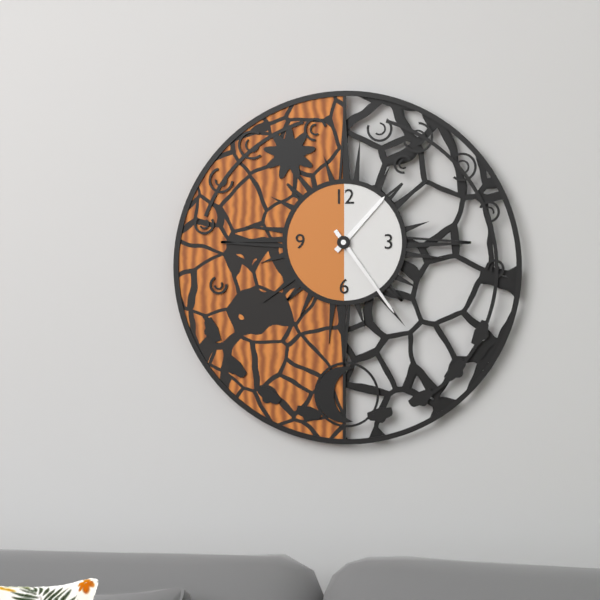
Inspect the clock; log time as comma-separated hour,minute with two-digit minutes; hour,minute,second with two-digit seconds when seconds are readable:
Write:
1,24
